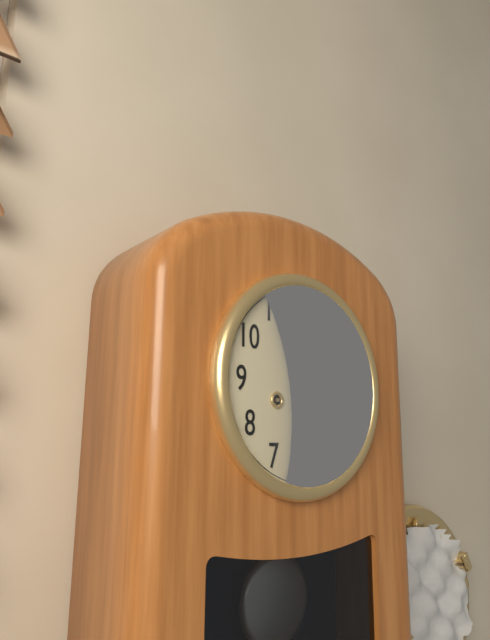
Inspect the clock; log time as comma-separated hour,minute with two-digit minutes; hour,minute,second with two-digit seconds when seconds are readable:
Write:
11,28
